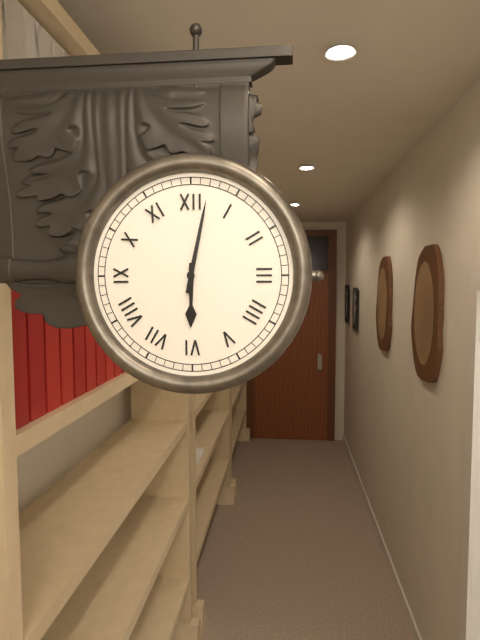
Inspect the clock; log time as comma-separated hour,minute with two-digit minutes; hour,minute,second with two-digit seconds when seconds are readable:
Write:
6,02
